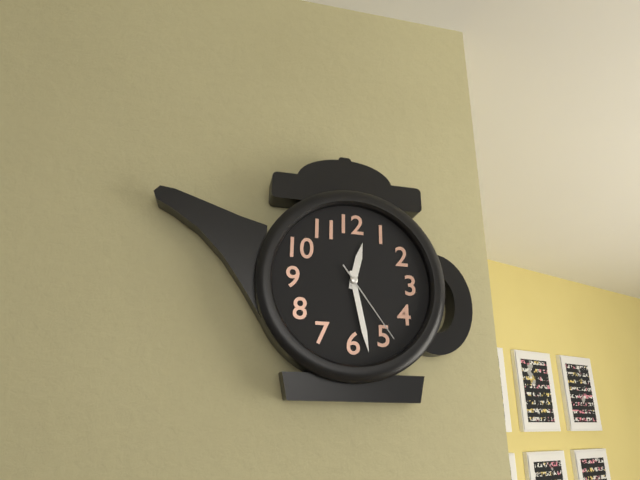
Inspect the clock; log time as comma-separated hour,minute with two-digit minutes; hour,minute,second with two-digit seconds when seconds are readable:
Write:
12,28,24
